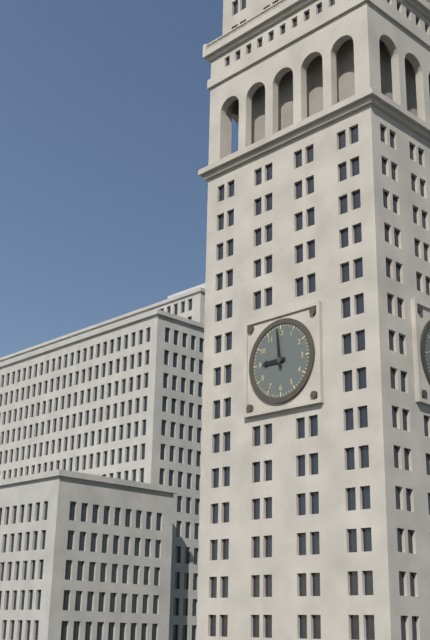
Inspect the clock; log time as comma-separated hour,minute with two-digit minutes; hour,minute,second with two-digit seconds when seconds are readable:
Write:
8,59
